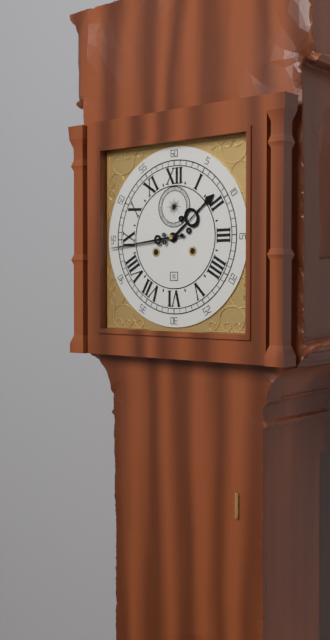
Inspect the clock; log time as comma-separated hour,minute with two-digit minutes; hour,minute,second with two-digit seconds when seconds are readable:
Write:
1,44
